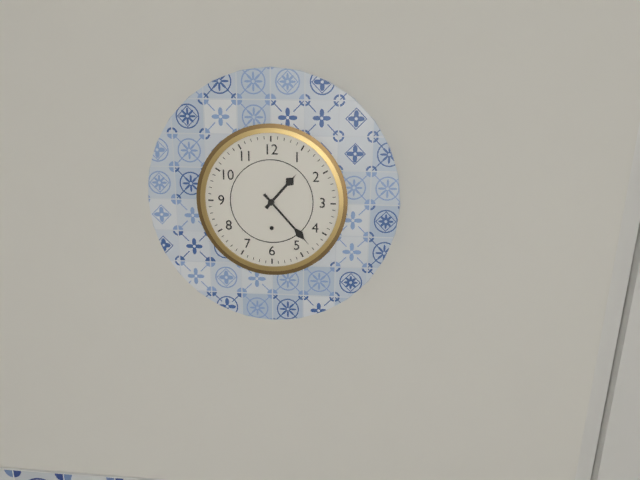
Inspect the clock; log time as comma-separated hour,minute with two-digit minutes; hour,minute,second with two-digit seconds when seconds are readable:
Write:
1,23
